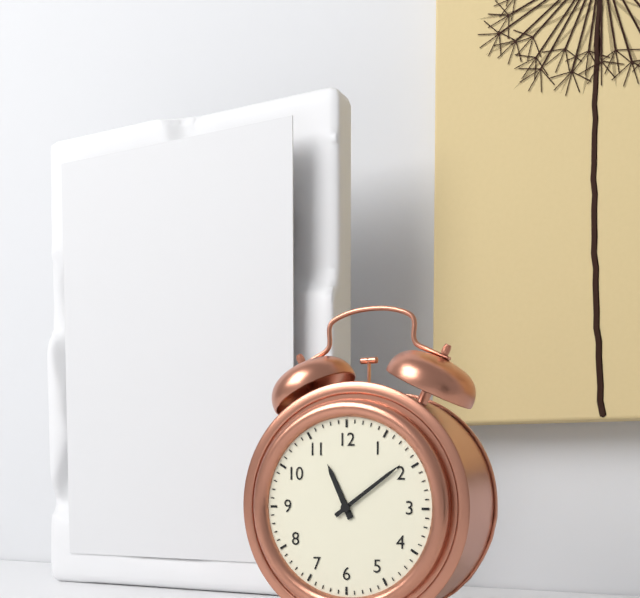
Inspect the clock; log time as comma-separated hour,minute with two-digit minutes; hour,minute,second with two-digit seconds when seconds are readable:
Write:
11,09
